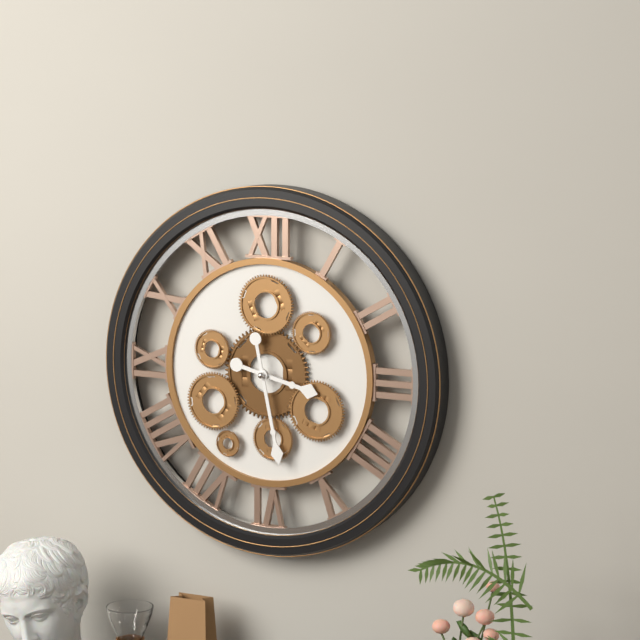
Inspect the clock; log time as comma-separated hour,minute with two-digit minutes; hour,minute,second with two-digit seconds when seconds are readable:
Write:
3,28
